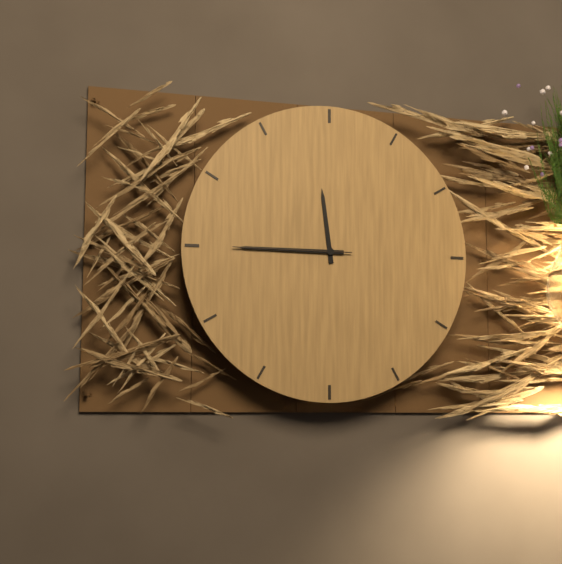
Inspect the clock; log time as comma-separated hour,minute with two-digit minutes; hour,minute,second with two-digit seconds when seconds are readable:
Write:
11,45,45
